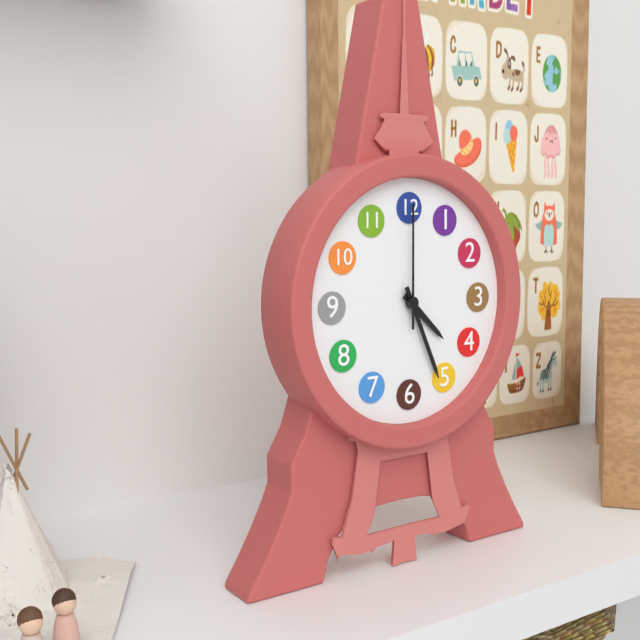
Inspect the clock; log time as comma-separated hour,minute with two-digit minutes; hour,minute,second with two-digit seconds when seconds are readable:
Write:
4,26,00
